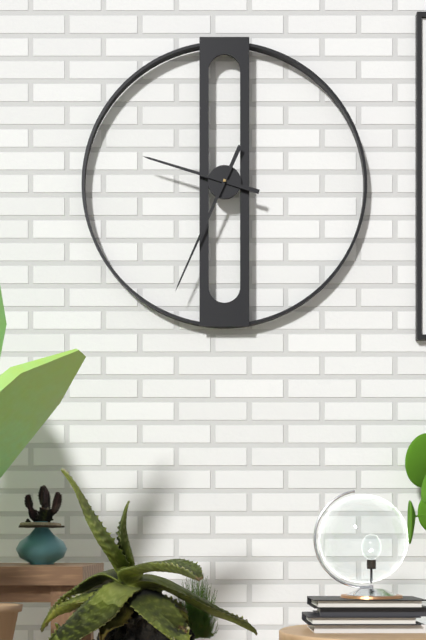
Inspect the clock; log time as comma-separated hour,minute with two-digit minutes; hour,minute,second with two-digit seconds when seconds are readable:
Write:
9,34
